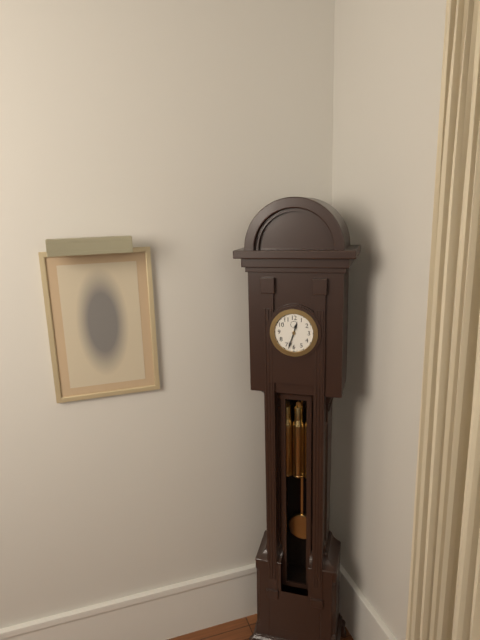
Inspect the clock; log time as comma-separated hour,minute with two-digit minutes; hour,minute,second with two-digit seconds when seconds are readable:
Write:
12,33
